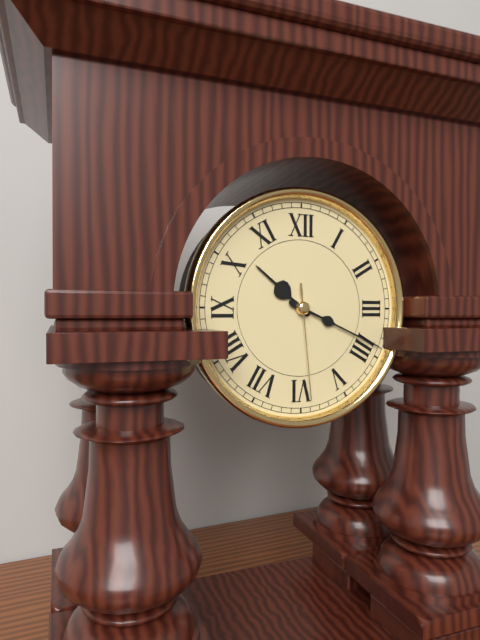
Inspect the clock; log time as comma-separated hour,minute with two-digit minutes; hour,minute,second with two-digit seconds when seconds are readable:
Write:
10,19,29
